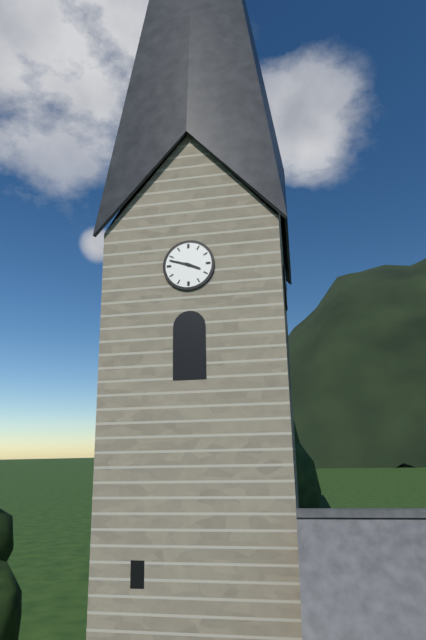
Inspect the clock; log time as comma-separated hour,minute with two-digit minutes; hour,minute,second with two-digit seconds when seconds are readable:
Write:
3,48
